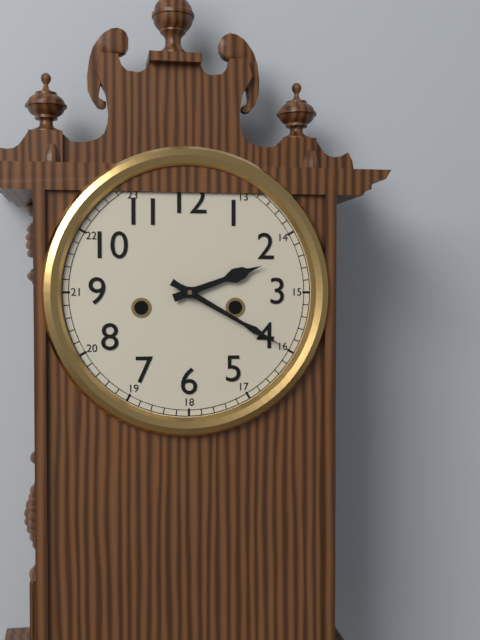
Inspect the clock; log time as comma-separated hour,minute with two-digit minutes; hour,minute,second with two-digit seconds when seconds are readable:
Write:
2,20
